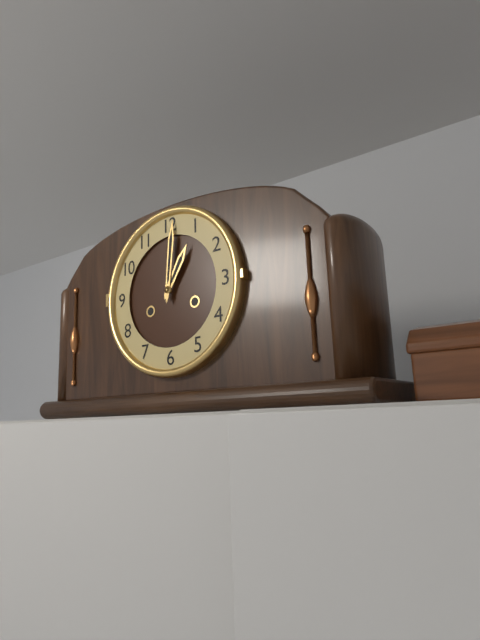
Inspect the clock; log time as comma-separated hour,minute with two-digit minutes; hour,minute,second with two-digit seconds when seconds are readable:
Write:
1,01
